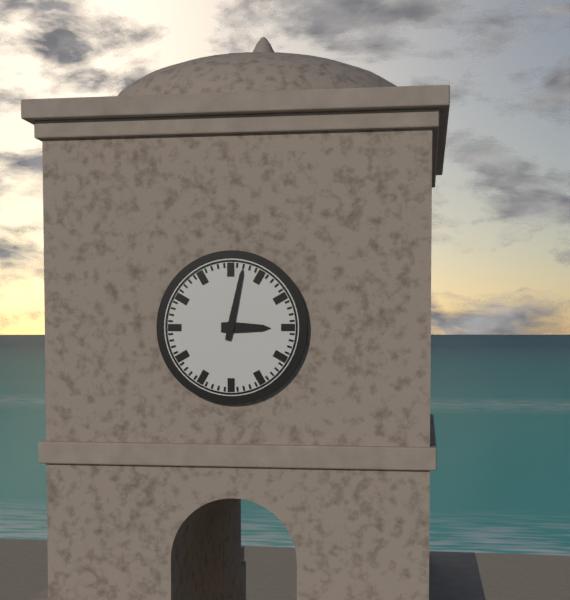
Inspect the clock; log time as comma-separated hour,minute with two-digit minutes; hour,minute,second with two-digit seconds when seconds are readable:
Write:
3,02
